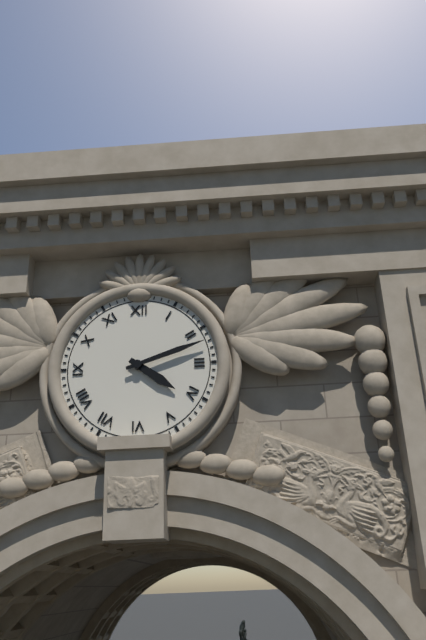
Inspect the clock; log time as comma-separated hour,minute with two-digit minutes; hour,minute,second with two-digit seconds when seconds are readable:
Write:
4,12
